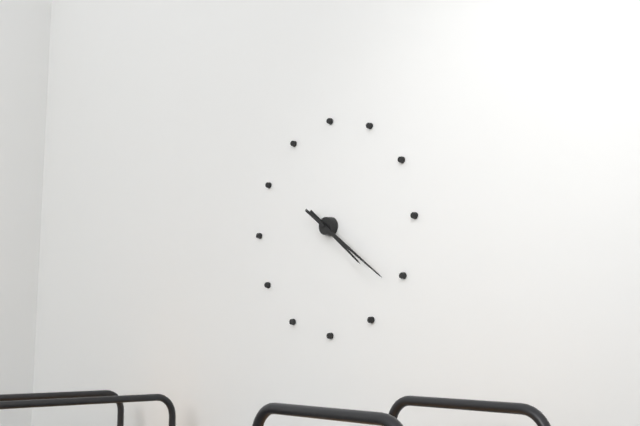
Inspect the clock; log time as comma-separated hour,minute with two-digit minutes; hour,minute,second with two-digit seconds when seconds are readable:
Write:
4,21
